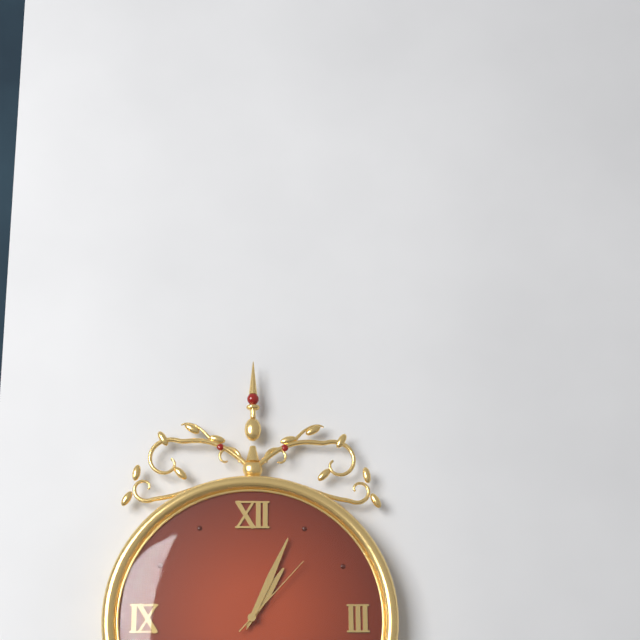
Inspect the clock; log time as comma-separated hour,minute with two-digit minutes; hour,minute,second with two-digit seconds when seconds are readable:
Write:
1,04,07
